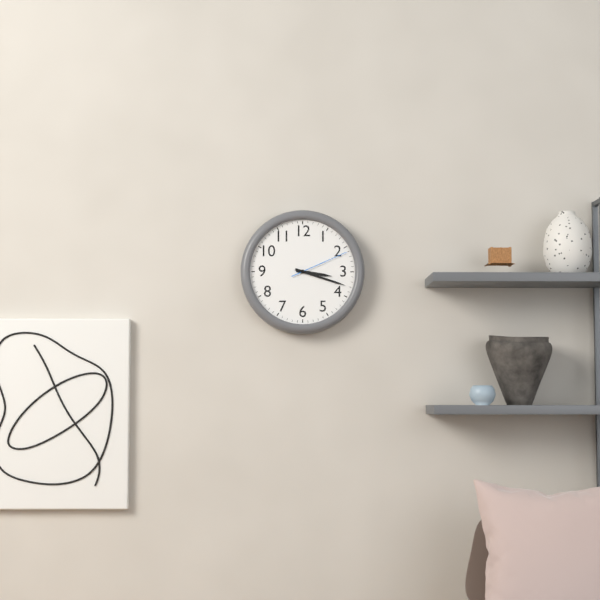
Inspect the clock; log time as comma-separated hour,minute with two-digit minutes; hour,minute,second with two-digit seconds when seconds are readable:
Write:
3,18,11
